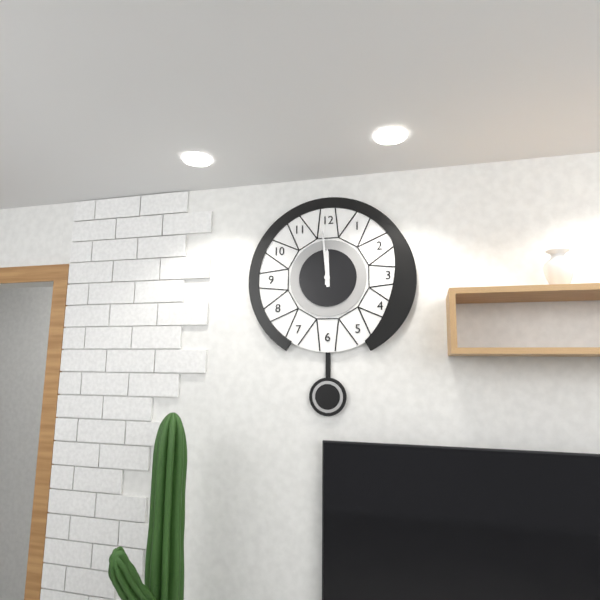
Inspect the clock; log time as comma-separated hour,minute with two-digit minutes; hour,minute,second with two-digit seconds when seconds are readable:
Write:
11,59
